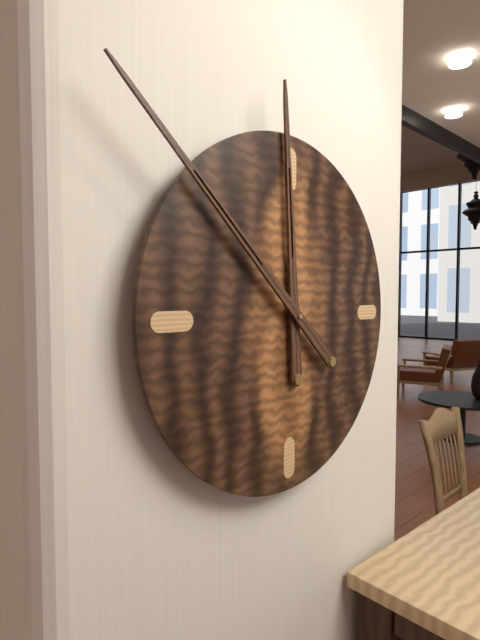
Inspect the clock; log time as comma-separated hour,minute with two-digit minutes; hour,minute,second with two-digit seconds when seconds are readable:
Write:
11,52
